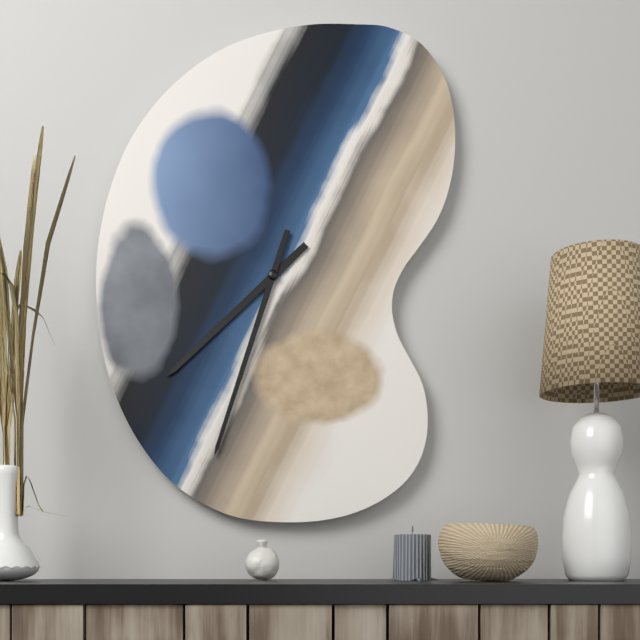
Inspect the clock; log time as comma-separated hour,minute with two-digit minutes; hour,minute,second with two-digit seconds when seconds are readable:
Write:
7,33
